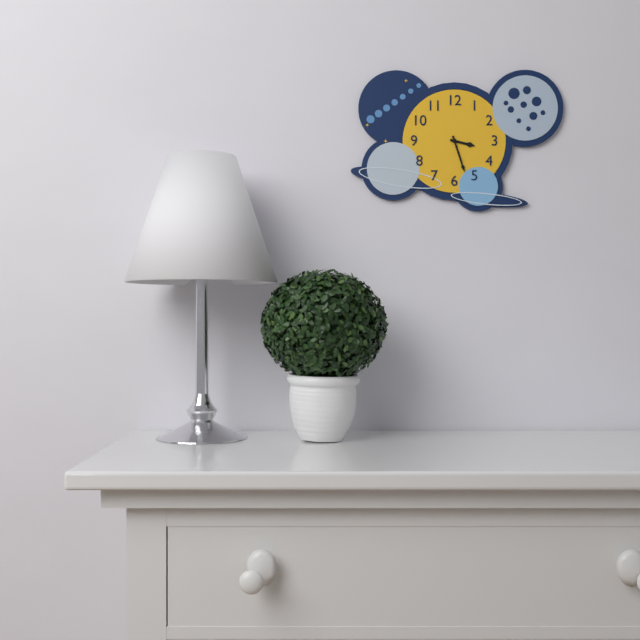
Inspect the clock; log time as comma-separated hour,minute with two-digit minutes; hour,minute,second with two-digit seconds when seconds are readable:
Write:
3,27
